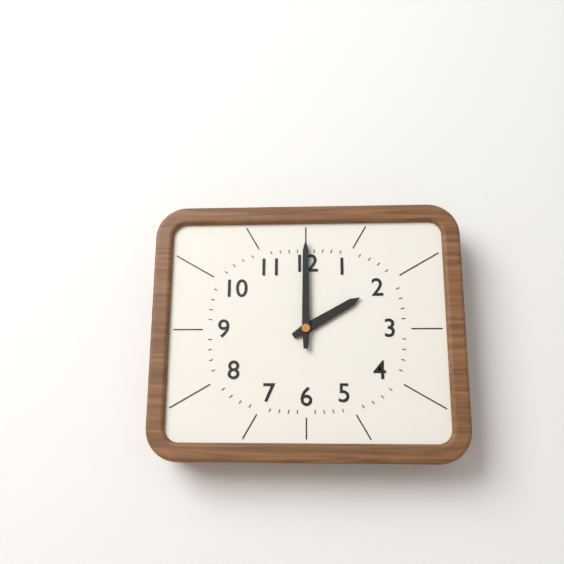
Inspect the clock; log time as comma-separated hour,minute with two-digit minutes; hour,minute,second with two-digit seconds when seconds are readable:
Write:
2,00
